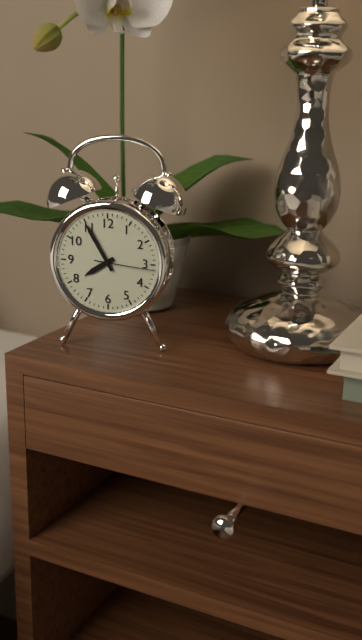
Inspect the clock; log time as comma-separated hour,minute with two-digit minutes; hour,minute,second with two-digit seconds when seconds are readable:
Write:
7,55,16
